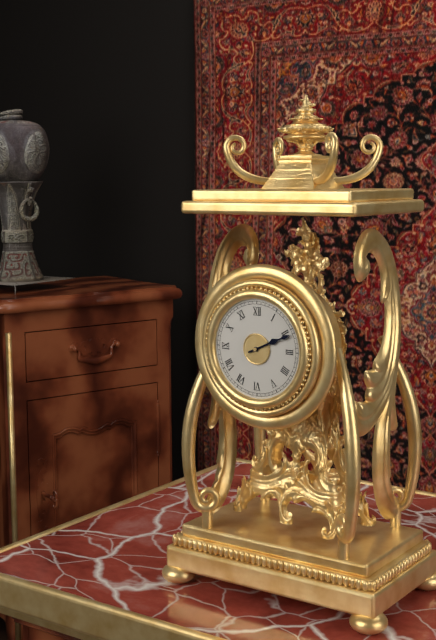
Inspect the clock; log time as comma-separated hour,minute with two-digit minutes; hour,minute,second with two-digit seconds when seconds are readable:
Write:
2,11
